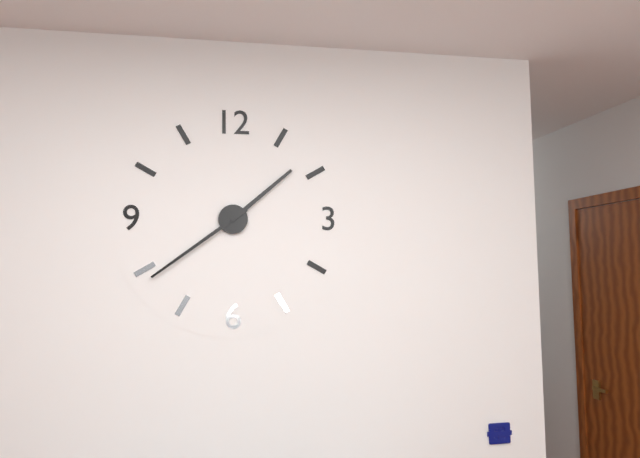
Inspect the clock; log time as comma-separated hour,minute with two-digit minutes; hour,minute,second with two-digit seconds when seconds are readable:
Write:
1,39
